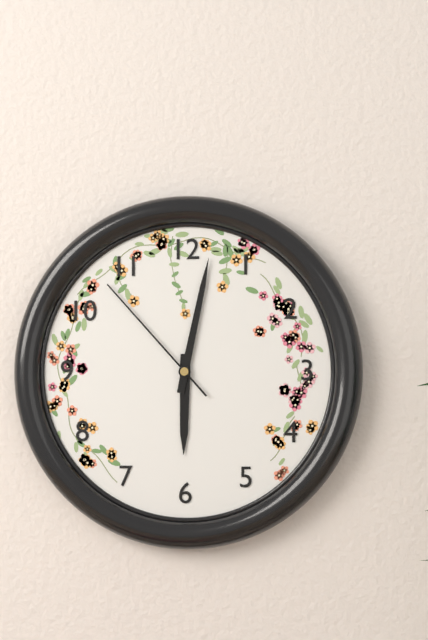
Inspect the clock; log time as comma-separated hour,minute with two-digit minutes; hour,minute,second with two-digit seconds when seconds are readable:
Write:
6,02,53
